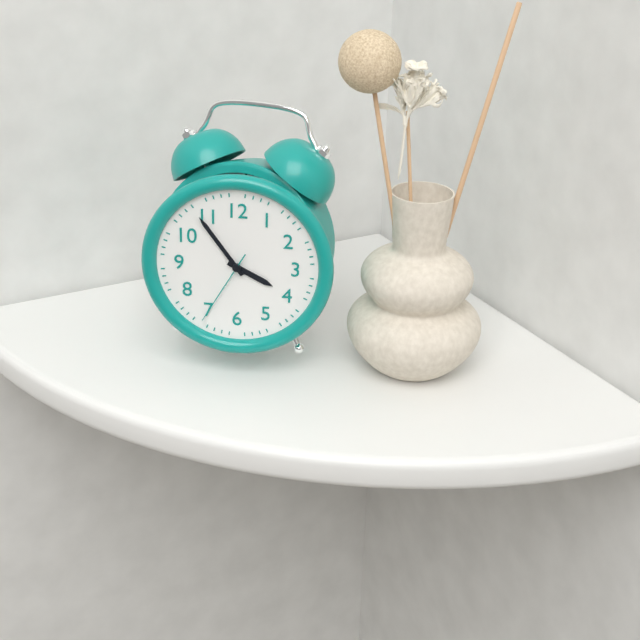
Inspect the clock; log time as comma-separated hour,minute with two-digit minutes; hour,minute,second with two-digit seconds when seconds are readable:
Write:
3,54,35
